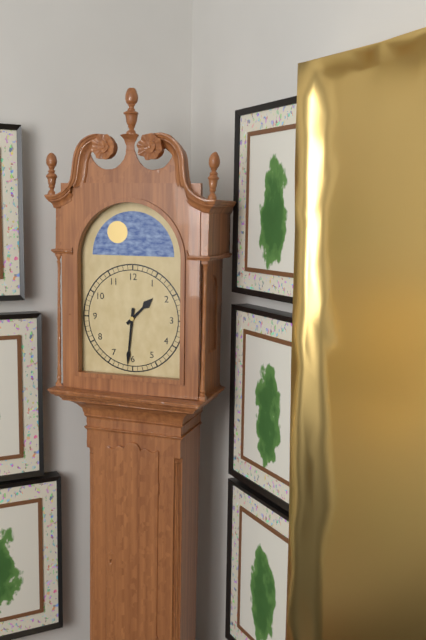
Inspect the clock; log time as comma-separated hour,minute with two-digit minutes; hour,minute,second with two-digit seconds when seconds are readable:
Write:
1,31
